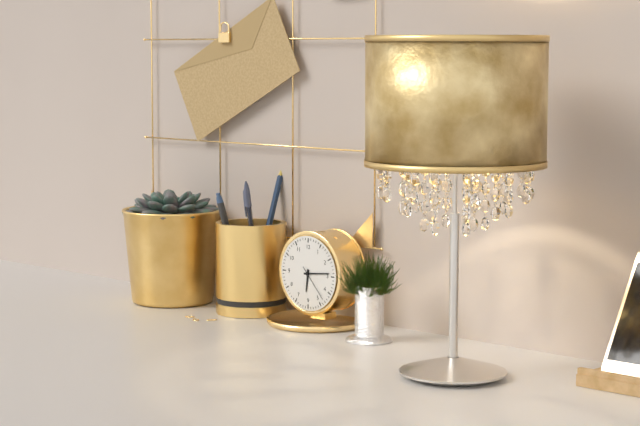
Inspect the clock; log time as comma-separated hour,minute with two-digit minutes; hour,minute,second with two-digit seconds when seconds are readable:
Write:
6,14
